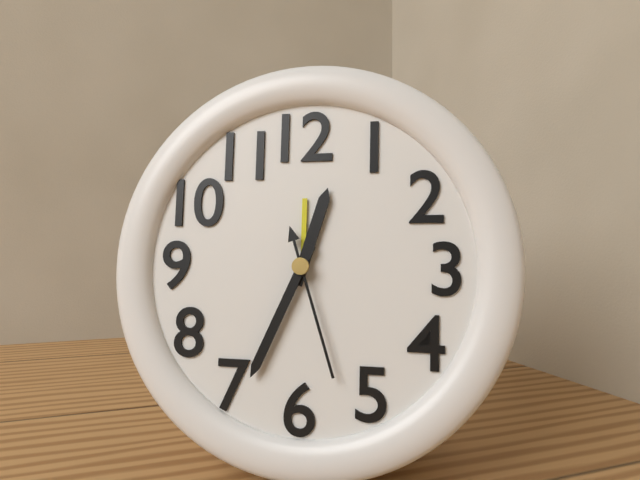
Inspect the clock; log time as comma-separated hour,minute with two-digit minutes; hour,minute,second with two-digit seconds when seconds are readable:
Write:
12,34,27
